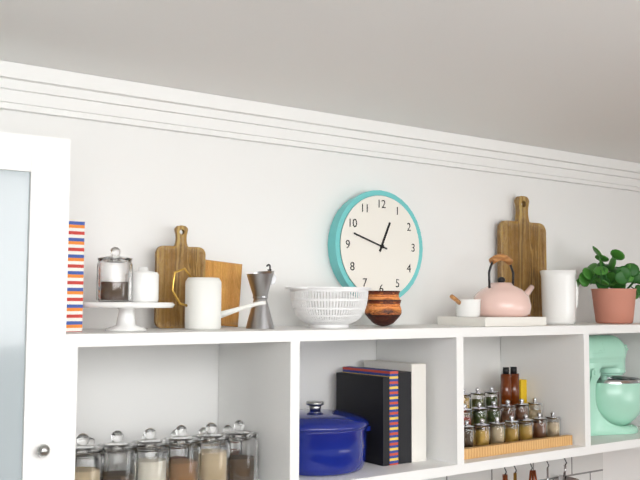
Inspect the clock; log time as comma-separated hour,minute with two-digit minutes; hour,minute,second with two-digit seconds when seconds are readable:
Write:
12,48
